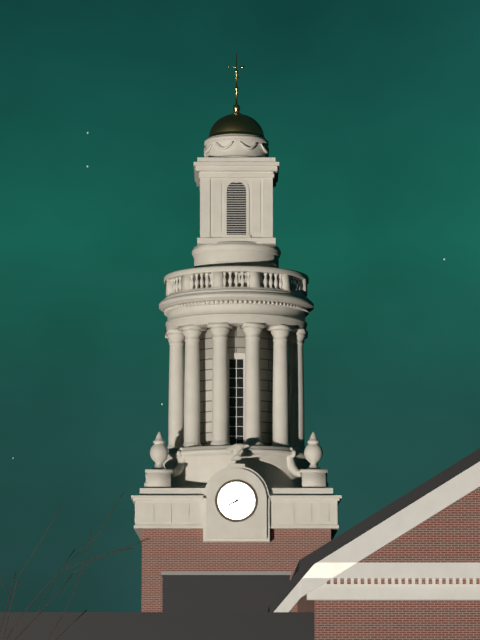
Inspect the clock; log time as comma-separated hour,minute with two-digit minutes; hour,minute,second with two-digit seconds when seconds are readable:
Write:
8,03
